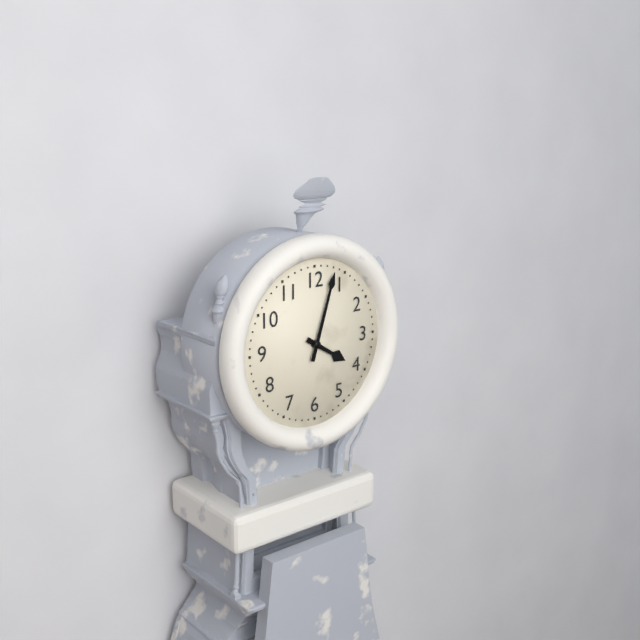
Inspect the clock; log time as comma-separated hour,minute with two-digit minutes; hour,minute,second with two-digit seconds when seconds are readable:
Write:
4,03
